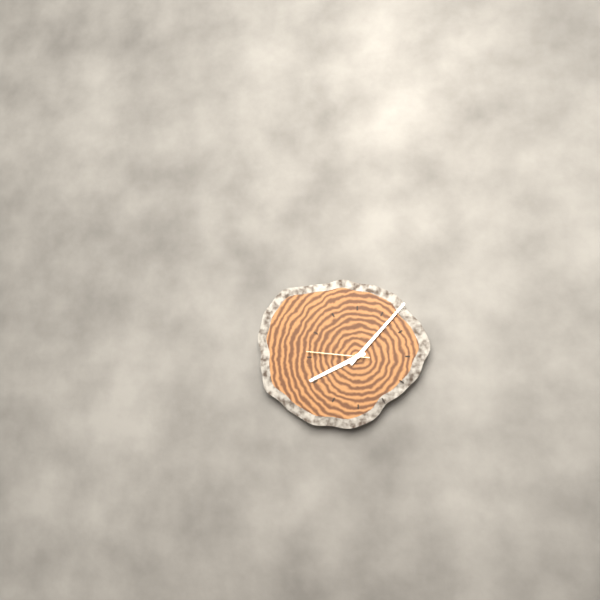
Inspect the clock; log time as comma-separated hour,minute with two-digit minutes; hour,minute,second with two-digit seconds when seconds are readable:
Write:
8,07,46
